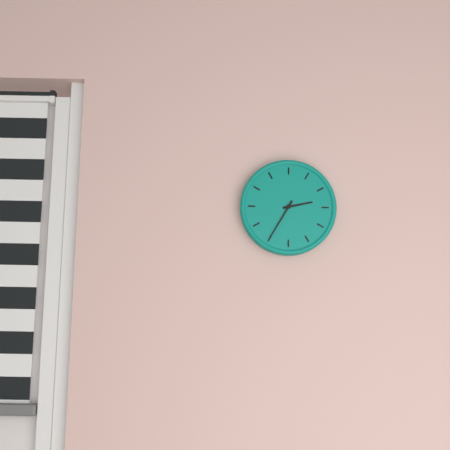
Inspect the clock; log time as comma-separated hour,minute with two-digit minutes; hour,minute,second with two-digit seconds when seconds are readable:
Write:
2,35
